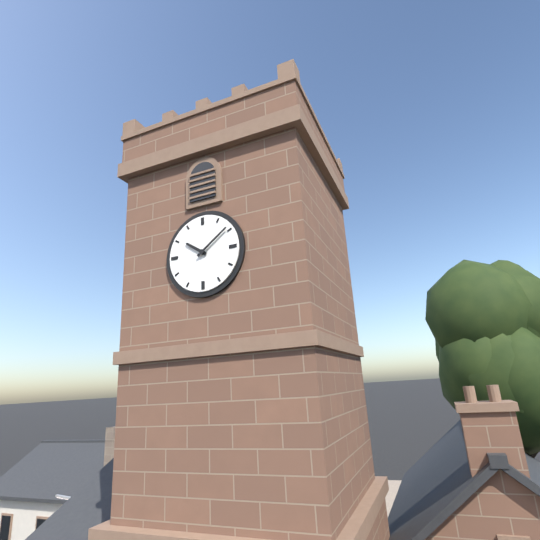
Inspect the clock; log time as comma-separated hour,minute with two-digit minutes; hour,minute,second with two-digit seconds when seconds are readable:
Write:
10,09
